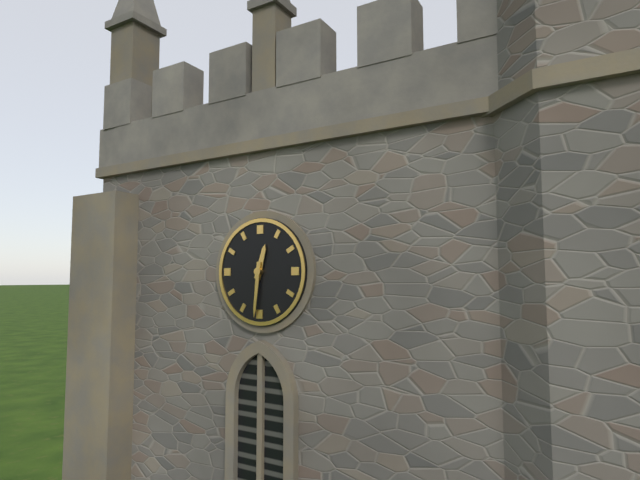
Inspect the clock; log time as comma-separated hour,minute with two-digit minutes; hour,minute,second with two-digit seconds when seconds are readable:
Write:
12,31
